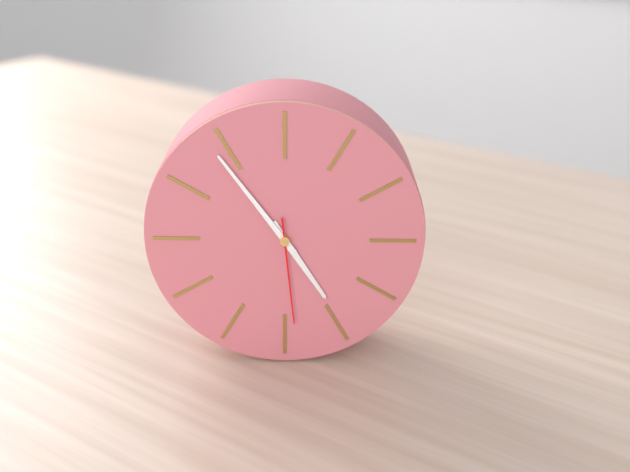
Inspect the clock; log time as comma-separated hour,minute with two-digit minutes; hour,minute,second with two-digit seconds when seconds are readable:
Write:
4,54,29
